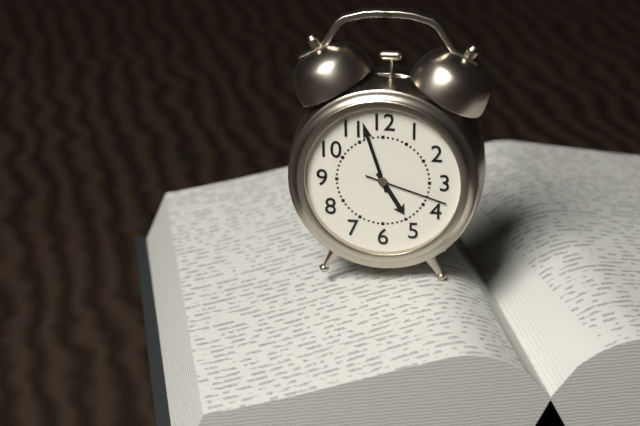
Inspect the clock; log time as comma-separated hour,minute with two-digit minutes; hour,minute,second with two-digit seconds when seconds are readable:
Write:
4,57,18
